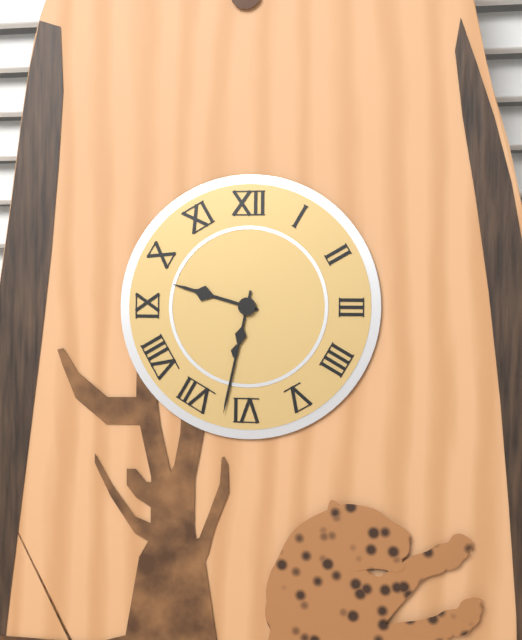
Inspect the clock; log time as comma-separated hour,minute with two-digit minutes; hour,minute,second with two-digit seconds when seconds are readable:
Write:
9,32
